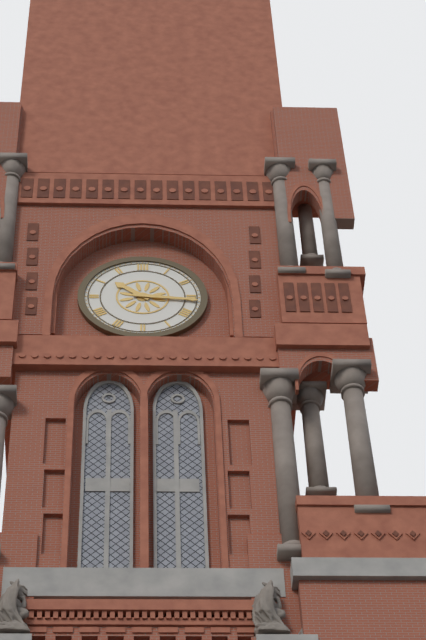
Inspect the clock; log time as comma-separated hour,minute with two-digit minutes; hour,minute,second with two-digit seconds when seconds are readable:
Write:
10,16
